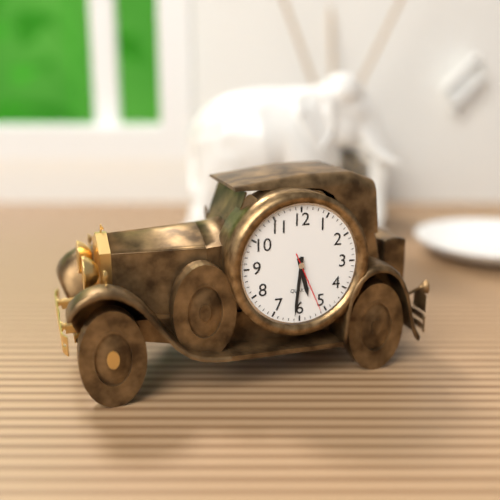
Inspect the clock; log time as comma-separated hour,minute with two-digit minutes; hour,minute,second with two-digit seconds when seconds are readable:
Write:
5,31,26
